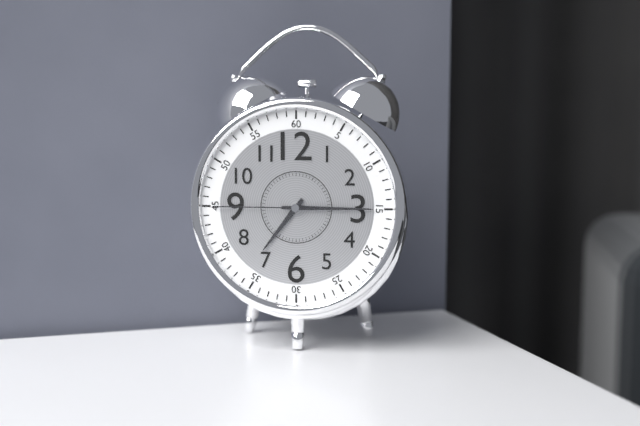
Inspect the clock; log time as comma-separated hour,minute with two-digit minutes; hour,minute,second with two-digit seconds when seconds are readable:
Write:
7,15,45
